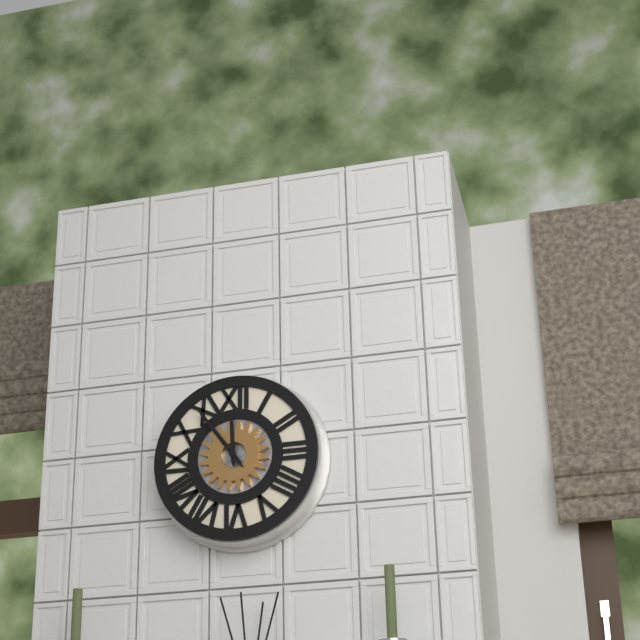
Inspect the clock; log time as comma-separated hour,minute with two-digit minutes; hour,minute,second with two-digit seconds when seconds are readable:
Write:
11,54
